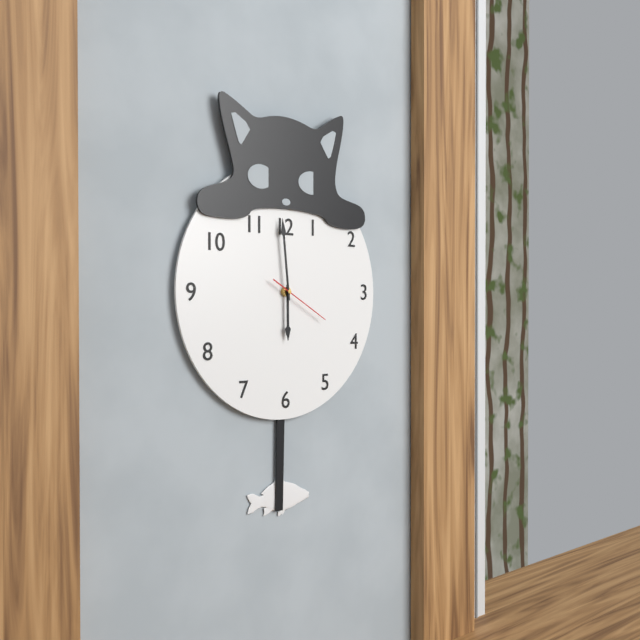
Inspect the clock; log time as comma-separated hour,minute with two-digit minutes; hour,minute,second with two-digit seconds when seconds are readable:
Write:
5,59,20
